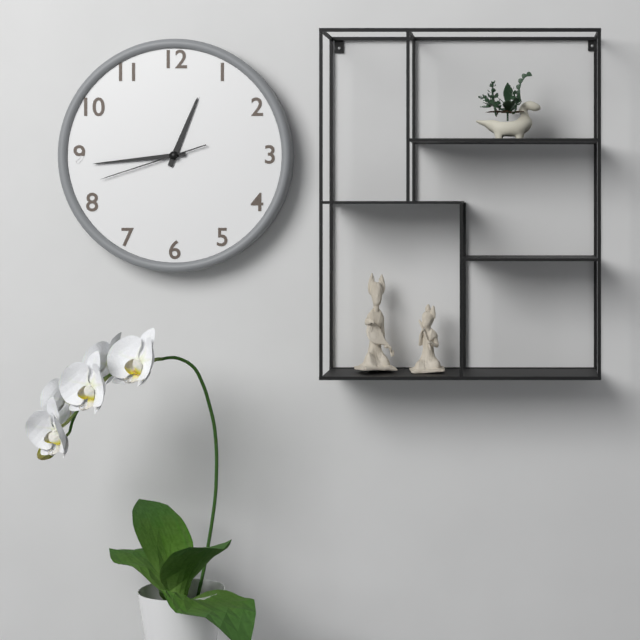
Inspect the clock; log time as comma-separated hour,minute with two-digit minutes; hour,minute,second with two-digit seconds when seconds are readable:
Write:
12,44,42
